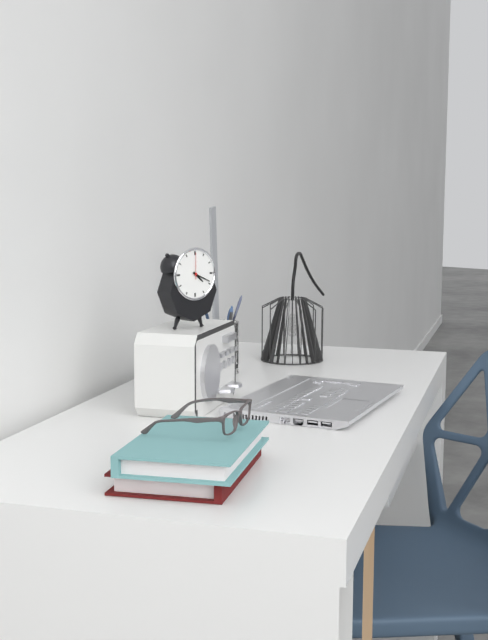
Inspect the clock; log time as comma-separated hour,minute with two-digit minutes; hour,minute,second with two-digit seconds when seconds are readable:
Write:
4,19
